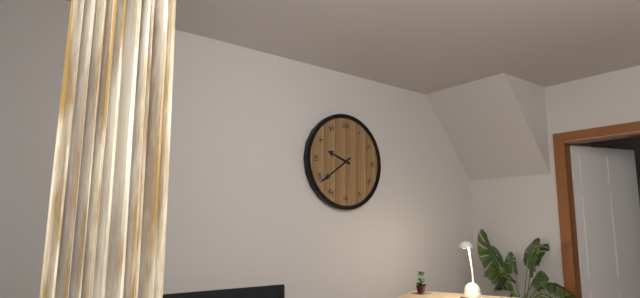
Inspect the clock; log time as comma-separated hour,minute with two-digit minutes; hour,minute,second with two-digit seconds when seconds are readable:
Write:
9,39
